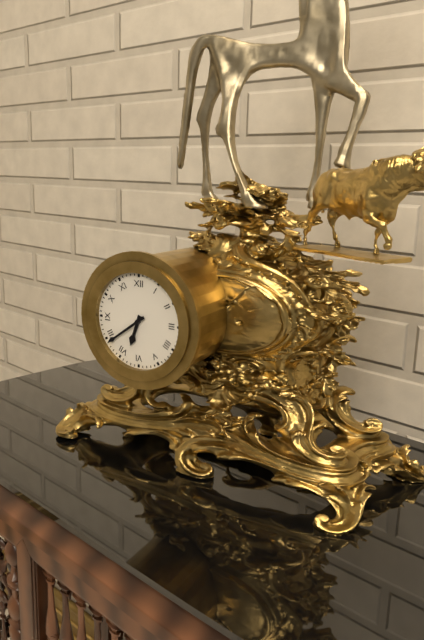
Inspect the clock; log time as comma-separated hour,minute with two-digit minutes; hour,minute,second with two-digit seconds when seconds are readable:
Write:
6,39
